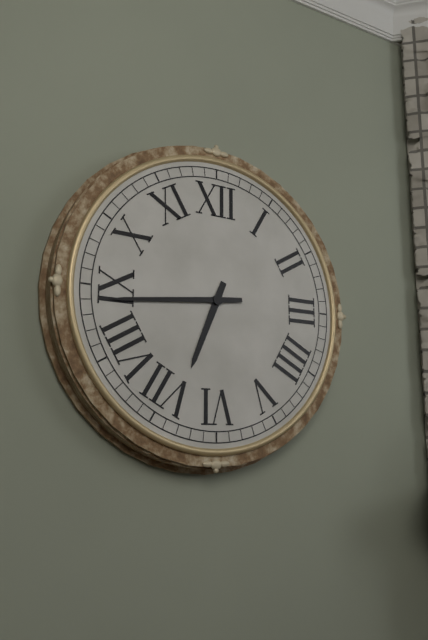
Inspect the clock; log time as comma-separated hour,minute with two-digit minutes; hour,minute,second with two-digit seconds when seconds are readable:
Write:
6,44
